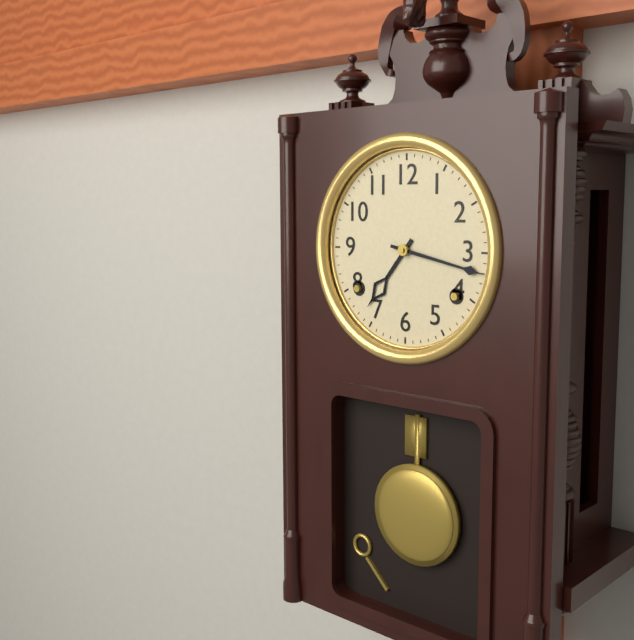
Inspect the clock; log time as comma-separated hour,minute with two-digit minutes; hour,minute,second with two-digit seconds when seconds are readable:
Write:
7,17
